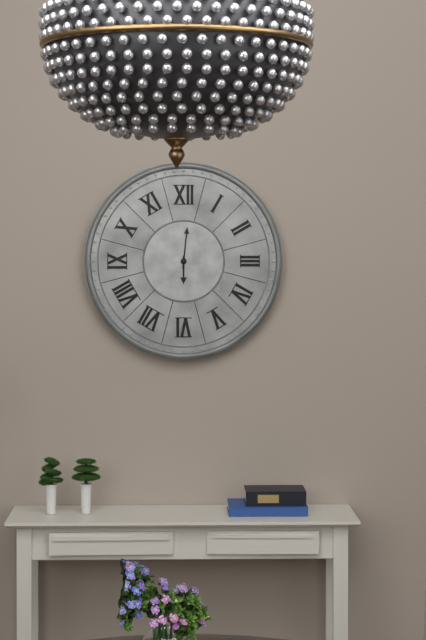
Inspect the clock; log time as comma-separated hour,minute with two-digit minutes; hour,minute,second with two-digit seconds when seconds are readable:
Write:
6,01
